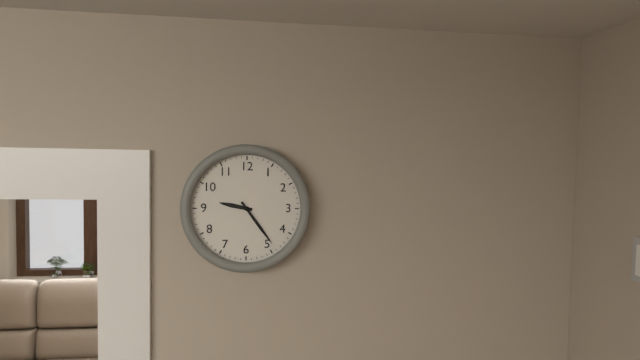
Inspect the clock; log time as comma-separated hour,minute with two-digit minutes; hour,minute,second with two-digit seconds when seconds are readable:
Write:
9,24
